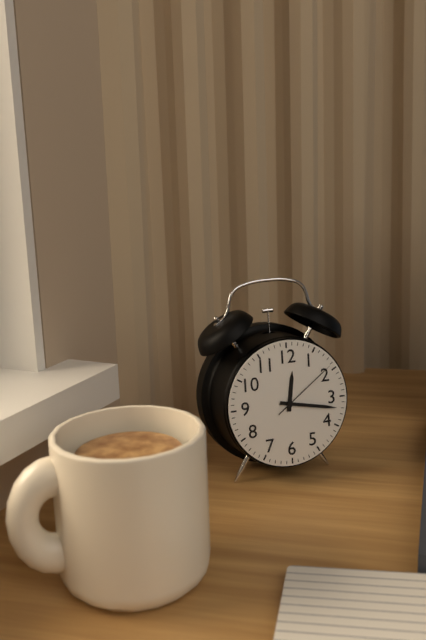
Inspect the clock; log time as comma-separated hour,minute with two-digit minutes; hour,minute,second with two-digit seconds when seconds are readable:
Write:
12,17,09
